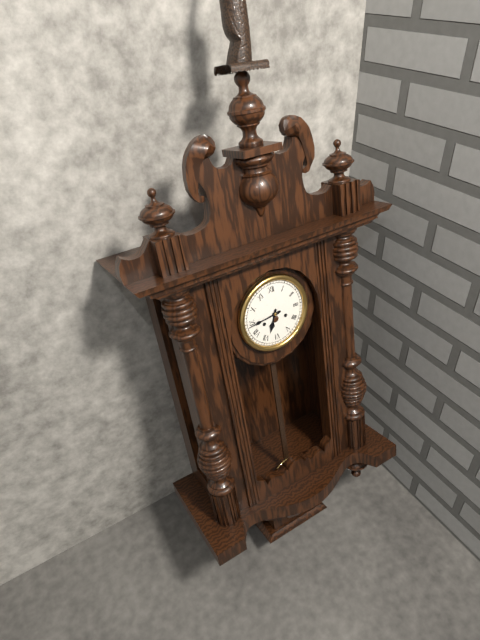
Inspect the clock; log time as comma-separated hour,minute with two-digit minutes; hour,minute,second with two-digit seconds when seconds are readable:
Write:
6,44
